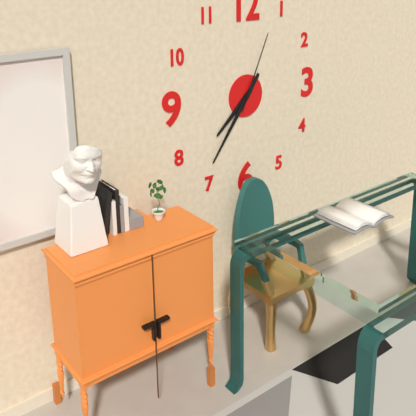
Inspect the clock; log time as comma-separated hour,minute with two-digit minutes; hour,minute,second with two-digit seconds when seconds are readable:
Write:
7,36,04
